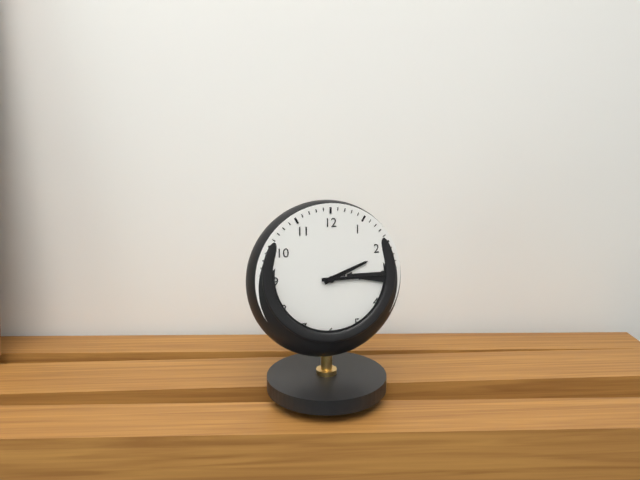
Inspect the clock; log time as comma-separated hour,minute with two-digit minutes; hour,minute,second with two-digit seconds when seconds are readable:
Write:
2,15
